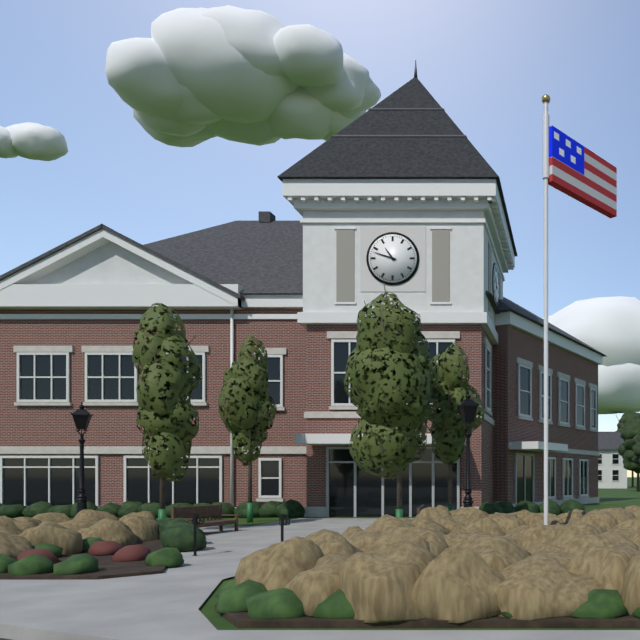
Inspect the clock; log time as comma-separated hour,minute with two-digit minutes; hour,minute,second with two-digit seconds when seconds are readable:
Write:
10,48
